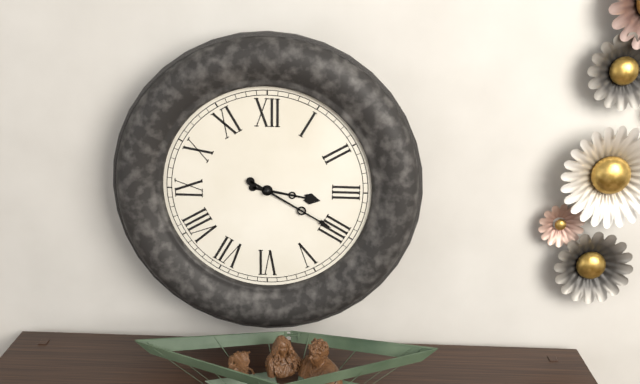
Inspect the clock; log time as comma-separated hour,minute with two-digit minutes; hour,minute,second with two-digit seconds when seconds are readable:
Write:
3,20
